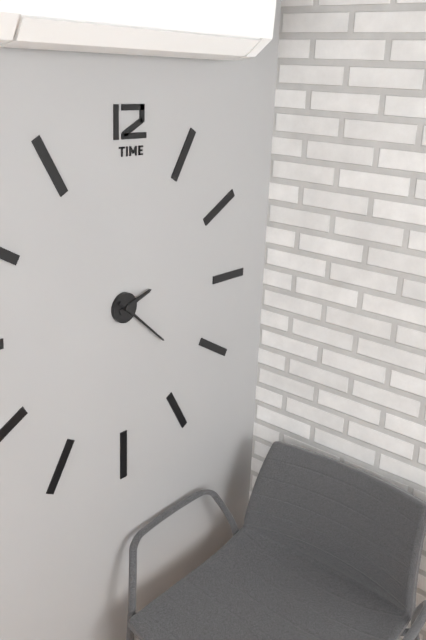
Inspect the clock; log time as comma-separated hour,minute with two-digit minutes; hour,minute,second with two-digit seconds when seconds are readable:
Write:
2,22
